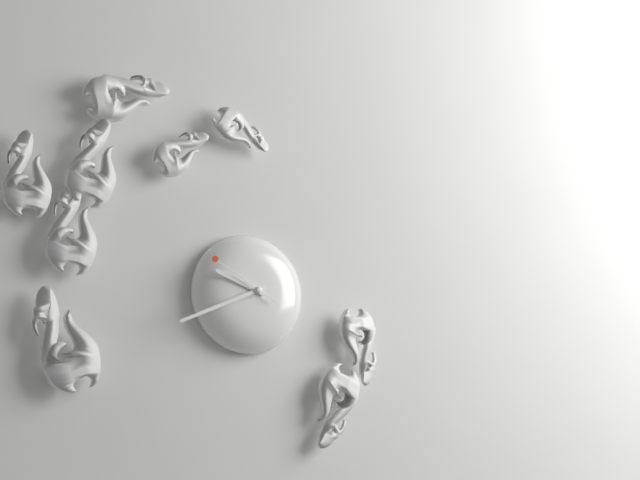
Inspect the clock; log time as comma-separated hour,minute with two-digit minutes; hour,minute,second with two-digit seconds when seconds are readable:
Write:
9,41,50
